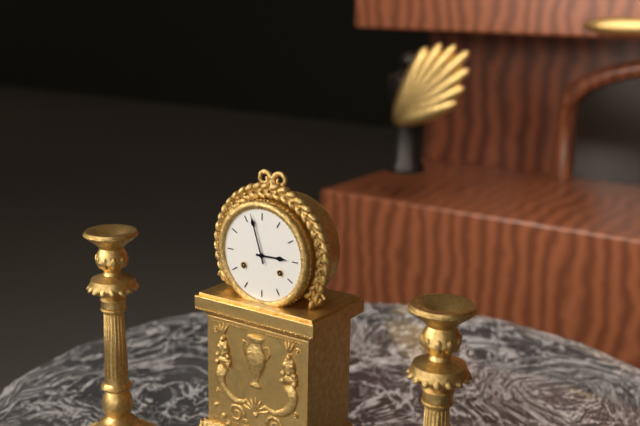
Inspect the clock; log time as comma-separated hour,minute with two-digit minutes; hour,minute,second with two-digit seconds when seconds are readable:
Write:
2,57
